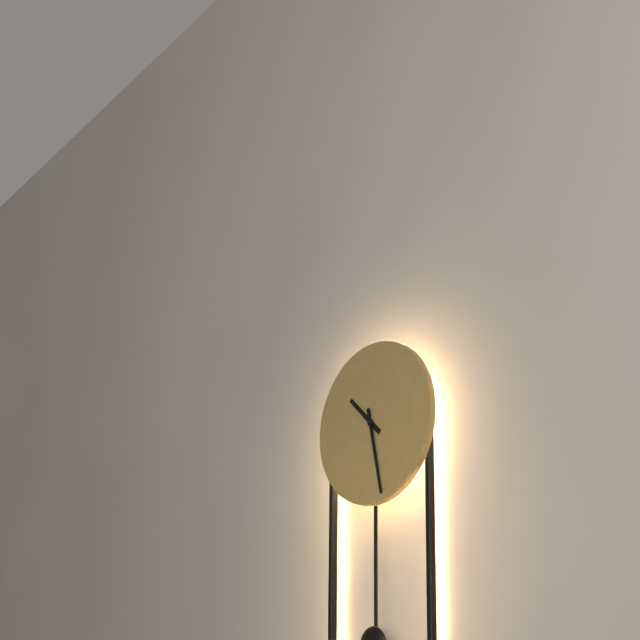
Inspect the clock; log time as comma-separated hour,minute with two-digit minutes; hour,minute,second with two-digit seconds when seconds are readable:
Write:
10,28
